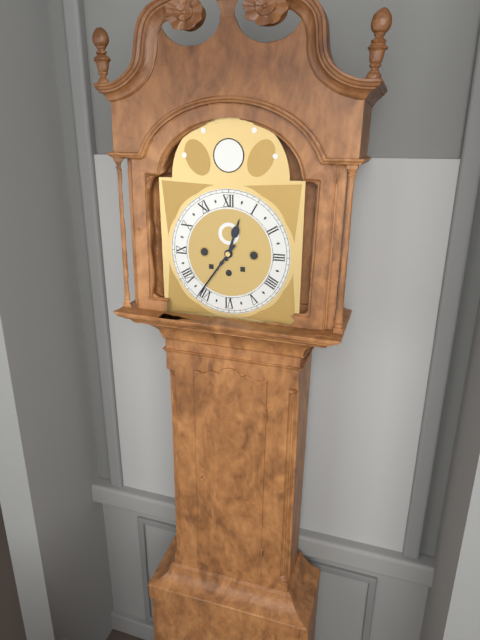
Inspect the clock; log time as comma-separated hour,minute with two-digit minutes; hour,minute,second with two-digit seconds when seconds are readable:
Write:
12,36
